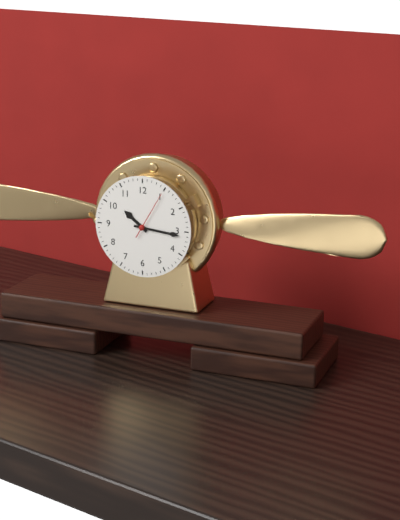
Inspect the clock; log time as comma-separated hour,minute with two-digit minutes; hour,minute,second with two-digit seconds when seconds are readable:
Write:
10,16
